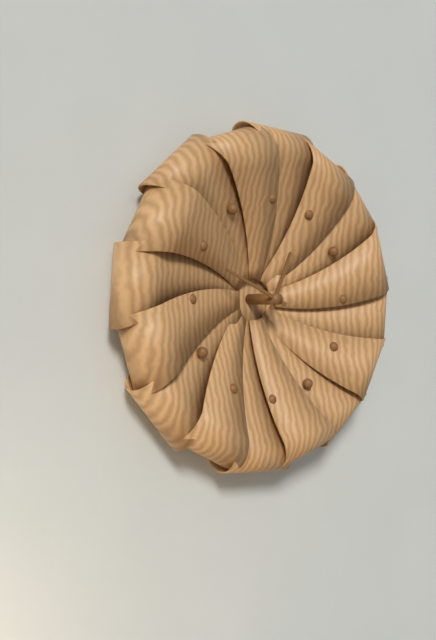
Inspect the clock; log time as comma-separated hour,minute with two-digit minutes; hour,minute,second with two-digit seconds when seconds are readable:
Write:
12,49
